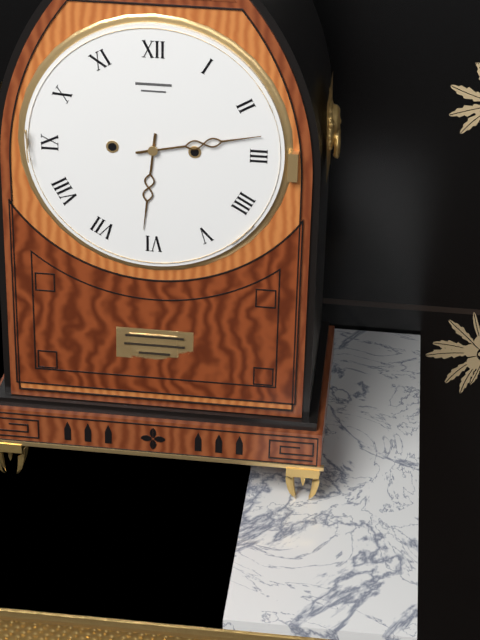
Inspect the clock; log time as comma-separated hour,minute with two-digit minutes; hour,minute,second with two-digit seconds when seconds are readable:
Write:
6,13
